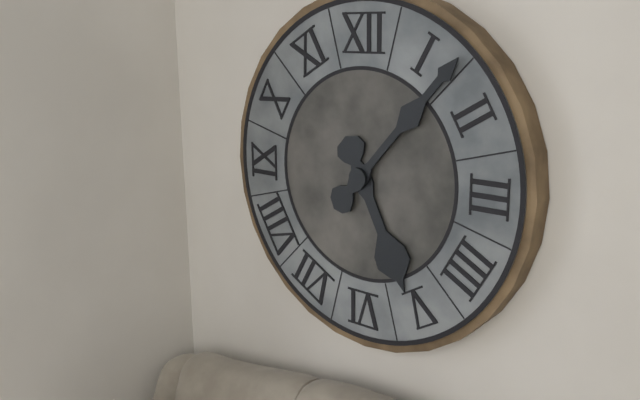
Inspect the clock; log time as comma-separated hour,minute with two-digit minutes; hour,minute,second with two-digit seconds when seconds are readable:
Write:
5,07
